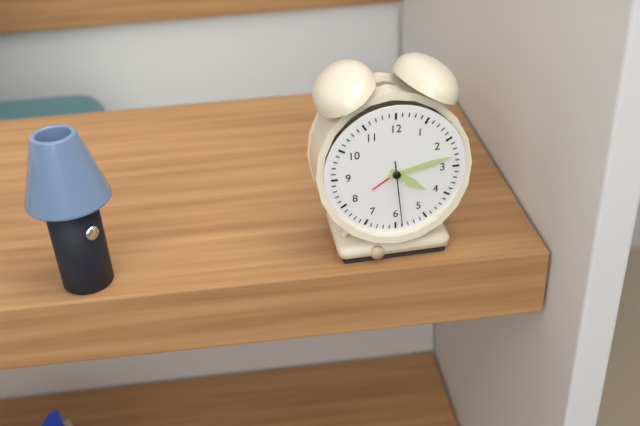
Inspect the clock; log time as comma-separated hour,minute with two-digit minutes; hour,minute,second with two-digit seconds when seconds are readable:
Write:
4,13,29
